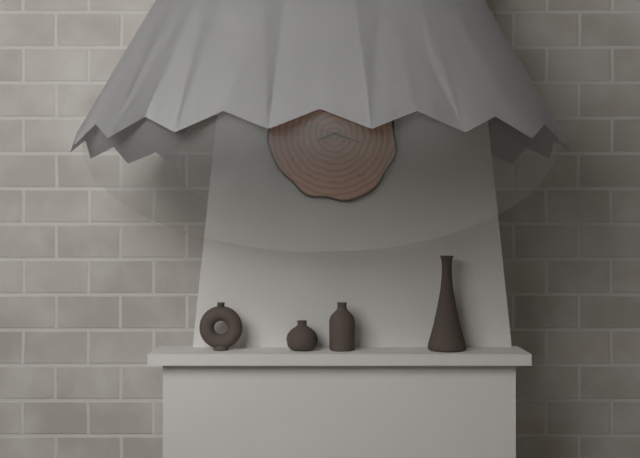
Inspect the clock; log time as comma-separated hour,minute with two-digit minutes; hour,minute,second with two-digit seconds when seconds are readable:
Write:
8,18
